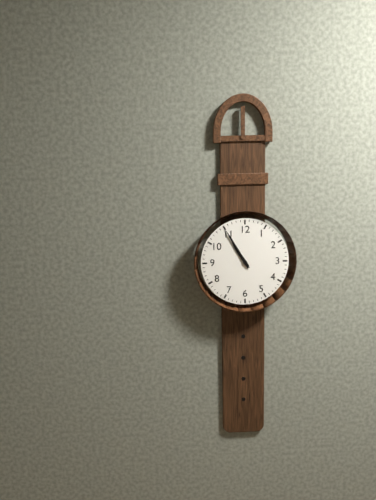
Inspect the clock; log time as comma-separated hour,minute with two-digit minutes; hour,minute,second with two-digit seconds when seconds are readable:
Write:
10,55
